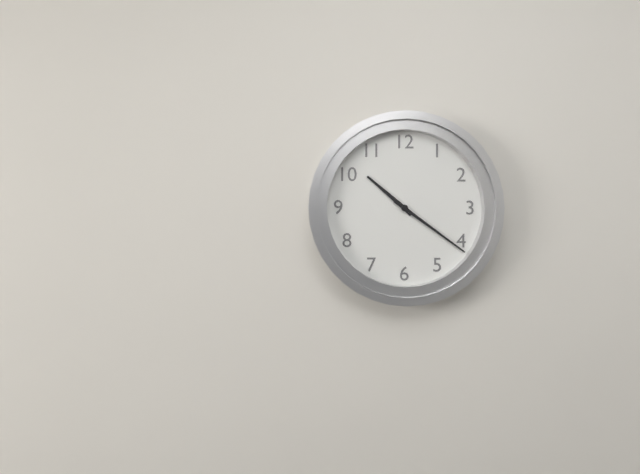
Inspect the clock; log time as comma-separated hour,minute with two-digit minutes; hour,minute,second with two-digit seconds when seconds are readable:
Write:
10,21
